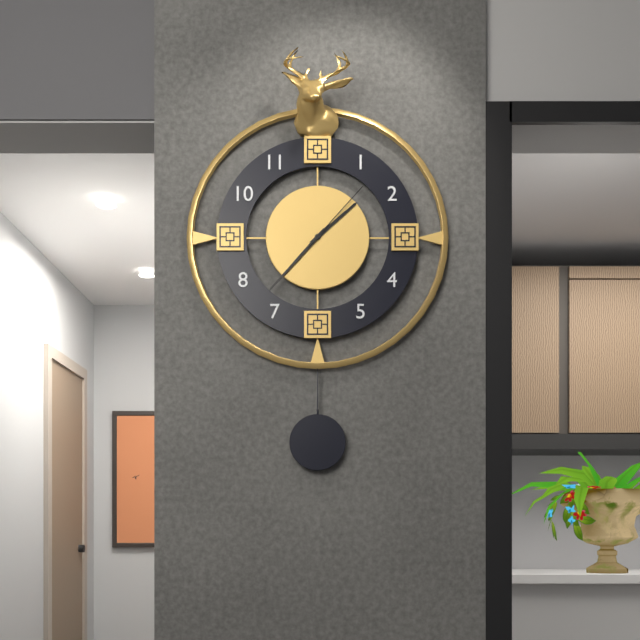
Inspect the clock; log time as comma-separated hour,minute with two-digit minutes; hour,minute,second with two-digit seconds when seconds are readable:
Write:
1,37,07
